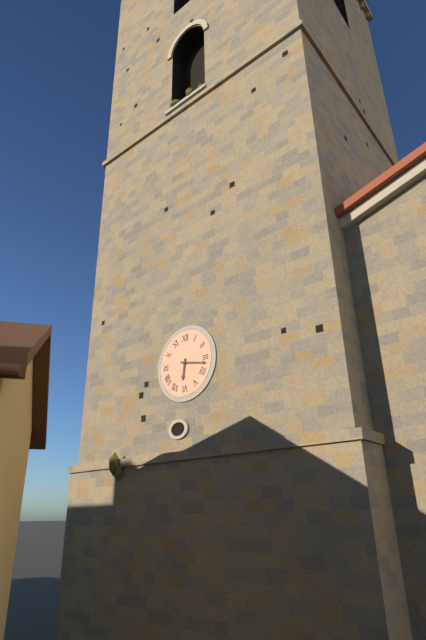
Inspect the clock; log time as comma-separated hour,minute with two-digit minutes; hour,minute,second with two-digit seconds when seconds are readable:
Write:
6,17
